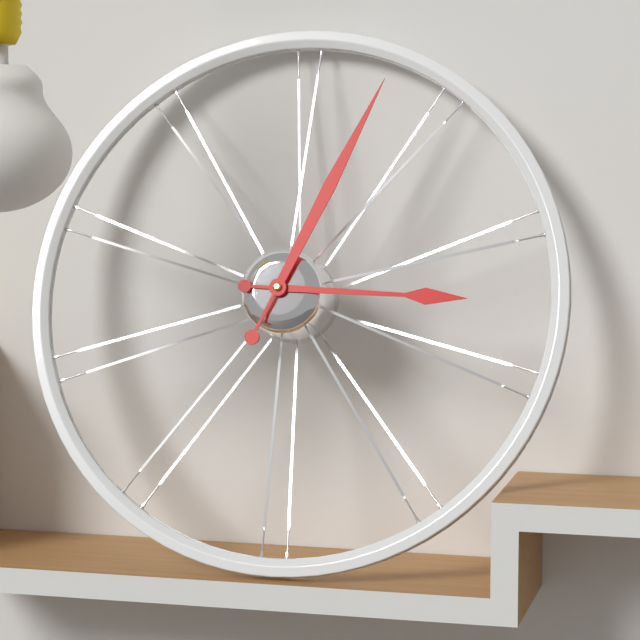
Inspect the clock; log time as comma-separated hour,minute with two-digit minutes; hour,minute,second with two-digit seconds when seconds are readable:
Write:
3,04
